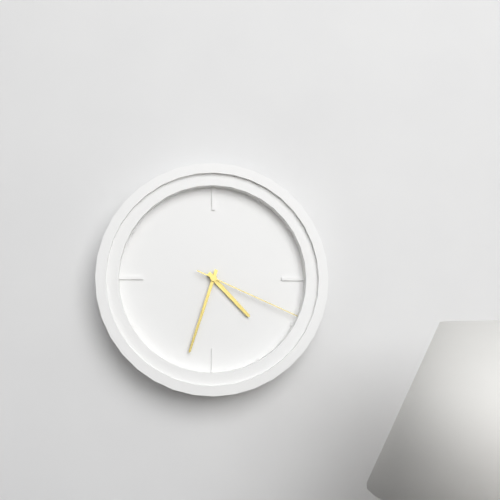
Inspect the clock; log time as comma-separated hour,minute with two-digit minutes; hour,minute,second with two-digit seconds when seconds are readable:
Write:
4,33,19
